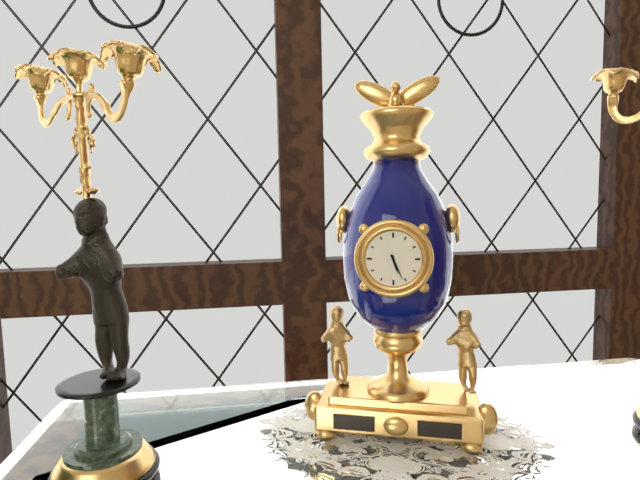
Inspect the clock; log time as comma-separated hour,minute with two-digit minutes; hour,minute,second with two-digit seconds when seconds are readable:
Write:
5,26
